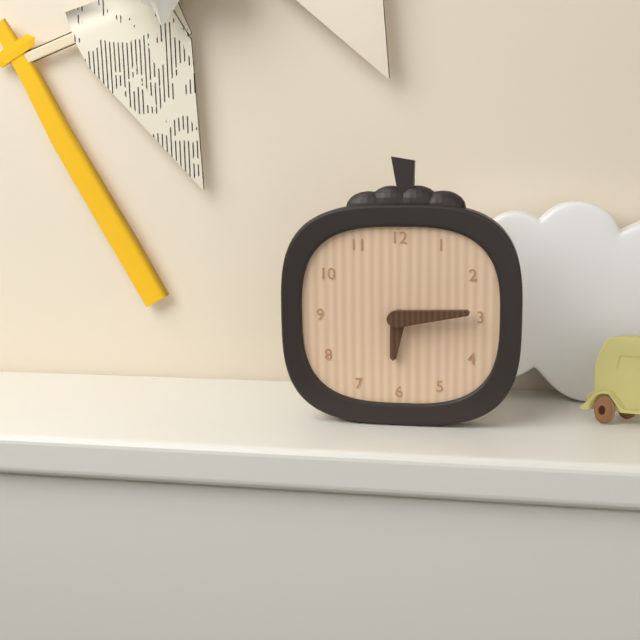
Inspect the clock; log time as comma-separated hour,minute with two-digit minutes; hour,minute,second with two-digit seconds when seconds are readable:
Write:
6,14
